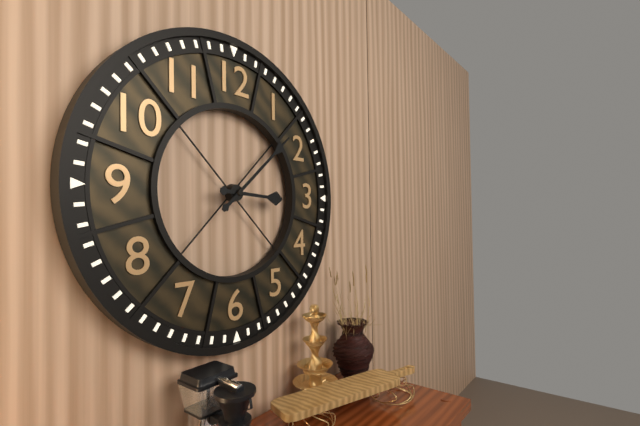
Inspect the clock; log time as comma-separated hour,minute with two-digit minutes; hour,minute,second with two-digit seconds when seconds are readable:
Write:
3,08
